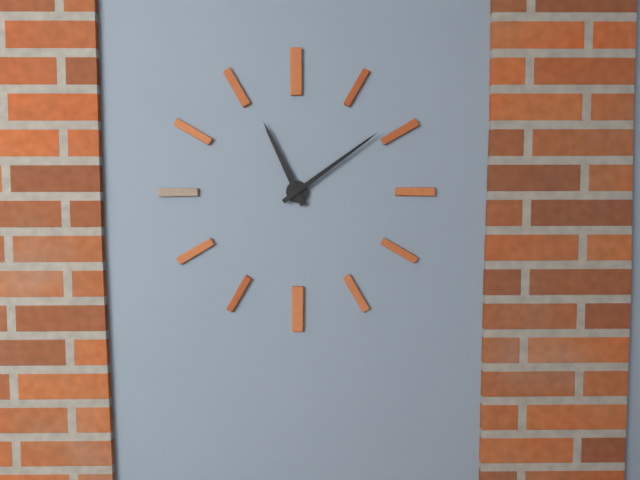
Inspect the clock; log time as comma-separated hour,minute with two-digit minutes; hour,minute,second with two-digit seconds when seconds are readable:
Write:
11,09
